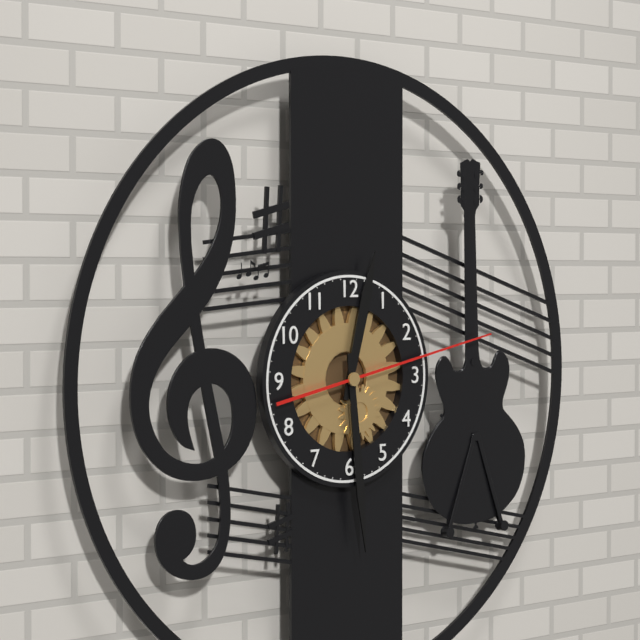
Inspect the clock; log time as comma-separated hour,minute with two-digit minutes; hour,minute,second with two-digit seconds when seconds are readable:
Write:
12,29,13
